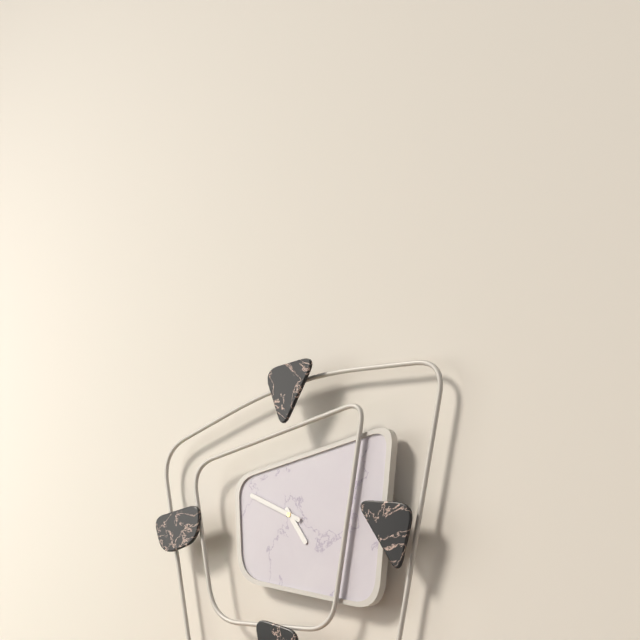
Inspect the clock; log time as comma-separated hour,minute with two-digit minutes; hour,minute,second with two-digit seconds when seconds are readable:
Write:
4,49
